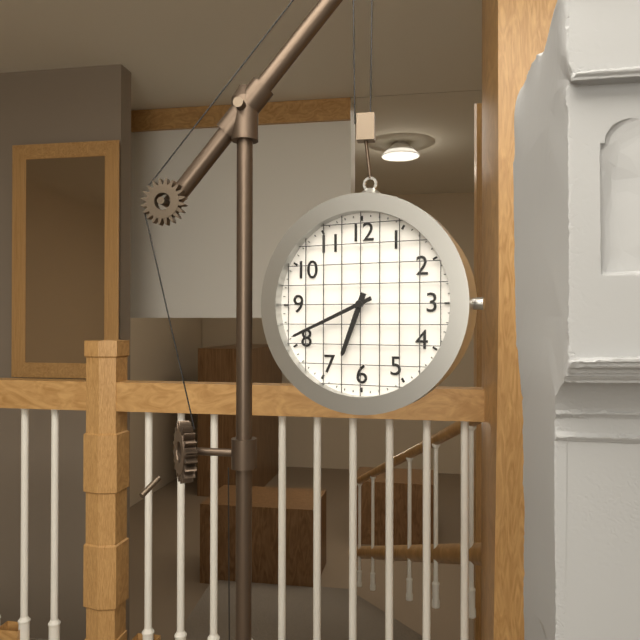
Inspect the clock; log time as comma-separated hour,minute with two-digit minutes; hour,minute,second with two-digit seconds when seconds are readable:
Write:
6,41
